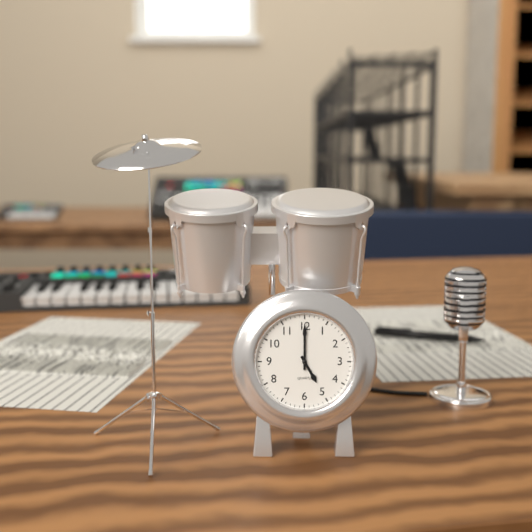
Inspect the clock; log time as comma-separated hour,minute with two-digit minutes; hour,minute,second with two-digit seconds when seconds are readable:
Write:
5,00
